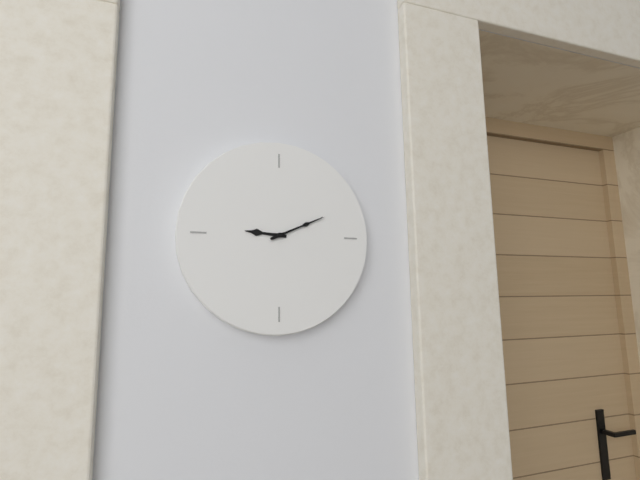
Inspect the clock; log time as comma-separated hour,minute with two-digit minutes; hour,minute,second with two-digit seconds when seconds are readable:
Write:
9,11
